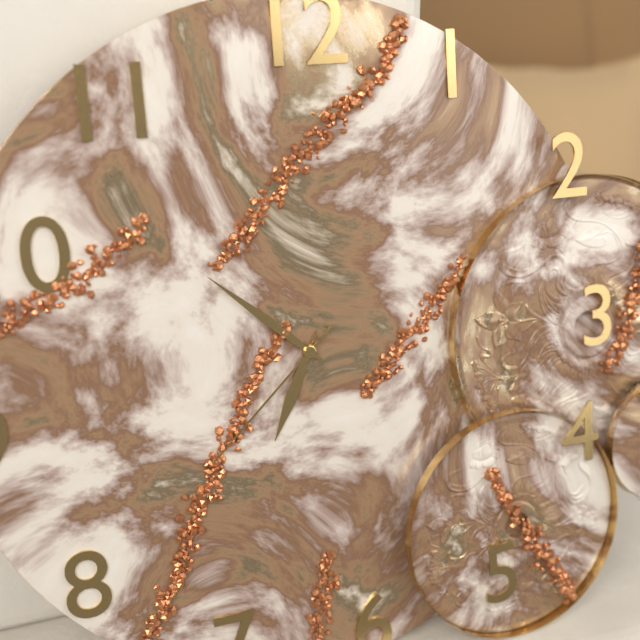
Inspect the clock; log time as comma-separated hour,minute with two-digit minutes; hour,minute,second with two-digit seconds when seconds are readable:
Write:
6,52,38
